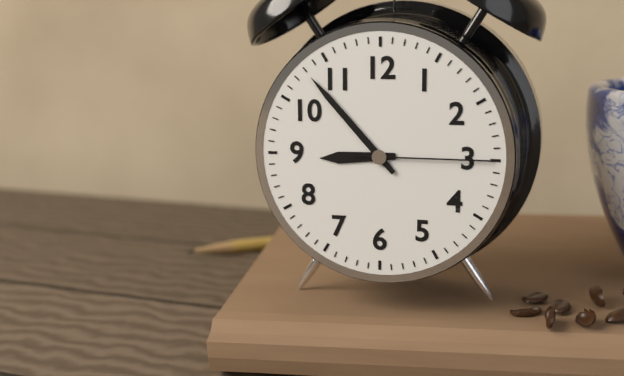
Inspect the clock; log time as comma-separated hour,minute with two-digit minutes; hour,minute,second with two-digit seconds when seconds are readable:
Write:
8,53,15
